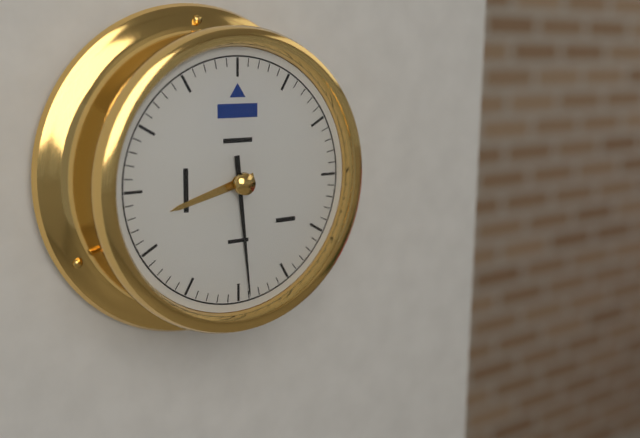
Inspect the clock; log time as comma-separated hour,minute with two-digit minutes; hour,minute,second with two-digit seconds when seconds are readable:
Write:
8,29
